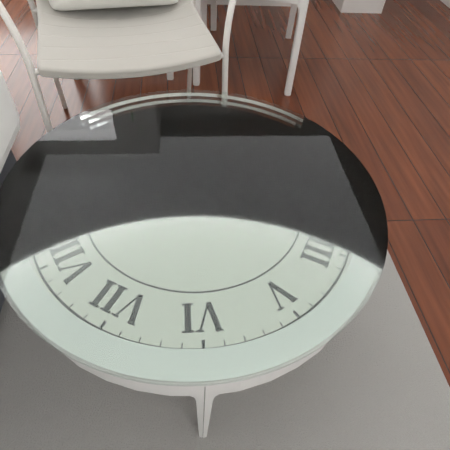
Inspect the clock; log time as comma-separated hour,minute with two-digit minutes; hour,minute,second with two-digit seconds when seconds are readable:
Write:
2,44
